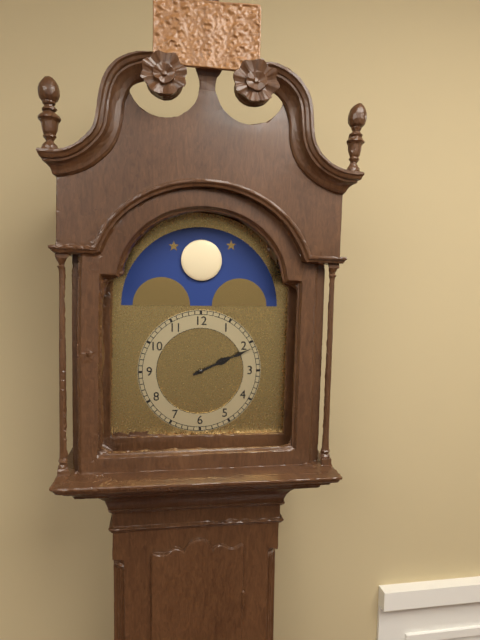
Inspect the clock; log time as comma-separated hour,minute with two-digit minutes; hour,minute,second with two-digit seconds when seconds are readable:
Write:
2,11
